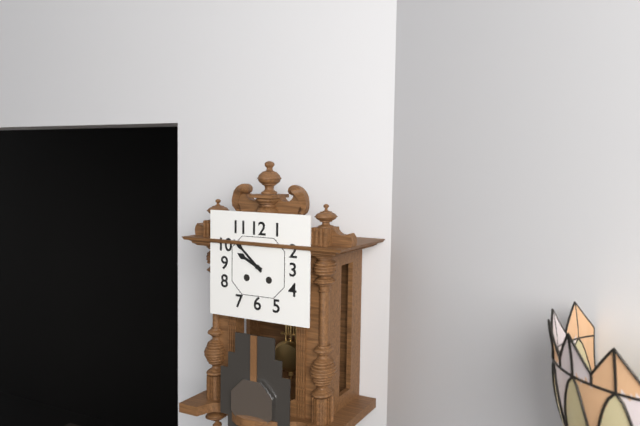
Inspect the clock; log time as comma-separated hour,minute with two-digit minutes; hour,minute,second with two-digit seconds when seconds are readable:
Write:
9,52
